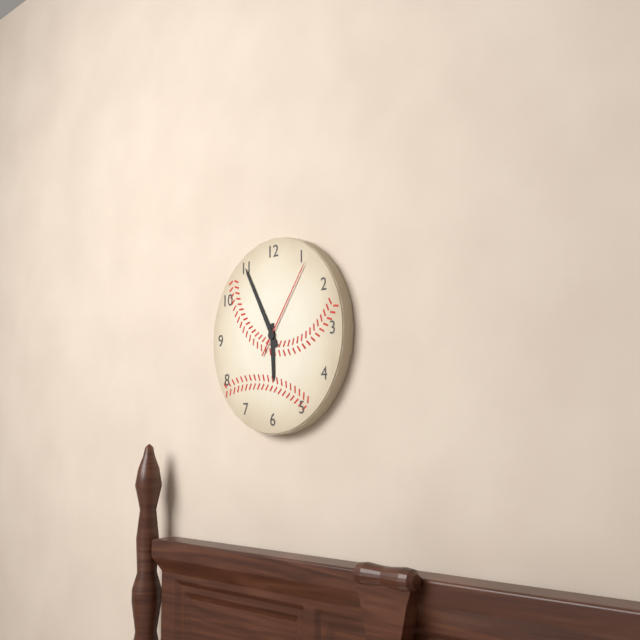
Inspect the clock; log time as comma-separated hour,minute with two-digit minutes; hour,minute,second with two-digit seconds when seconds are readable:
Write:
5,55,06
